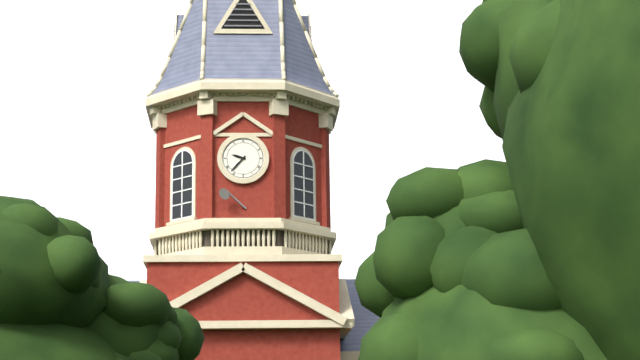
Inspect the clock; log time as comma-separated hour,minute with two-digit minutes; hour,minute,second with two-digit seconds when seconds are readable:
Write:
9,37
